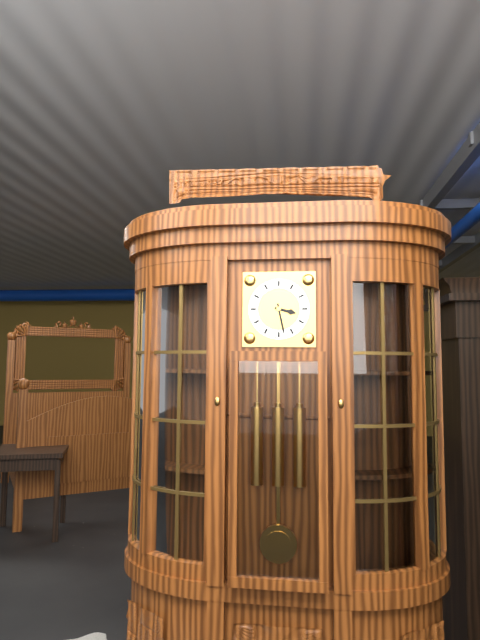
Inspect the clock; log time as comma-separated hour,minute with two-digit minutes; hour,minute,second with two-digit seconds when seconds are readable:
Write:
3,28
